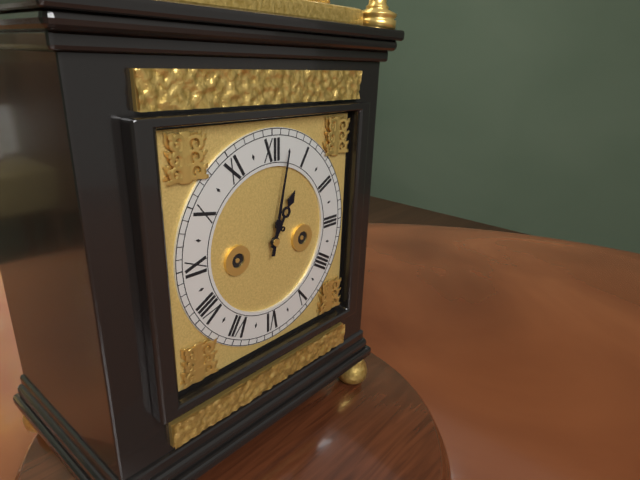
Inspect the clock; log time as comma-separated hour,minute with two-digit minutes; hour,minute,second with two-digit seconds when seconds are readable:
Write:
1,02
